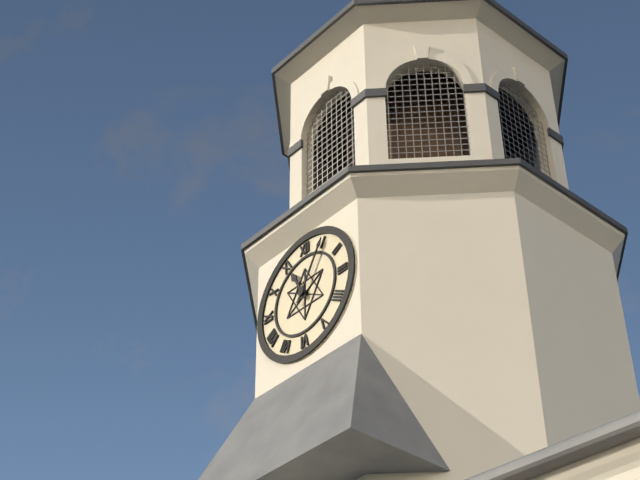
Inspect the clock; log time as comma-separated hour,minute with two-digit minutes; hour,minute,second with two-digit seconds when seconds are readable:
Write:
11,05
